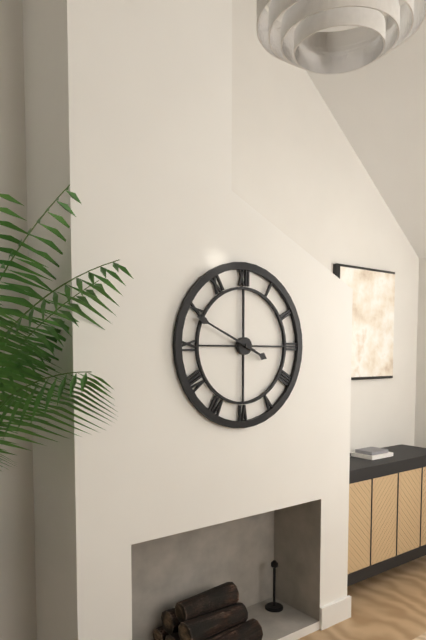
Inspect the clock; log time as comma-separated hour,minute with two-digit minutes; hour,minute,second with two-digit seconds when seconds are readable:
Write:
3,49
